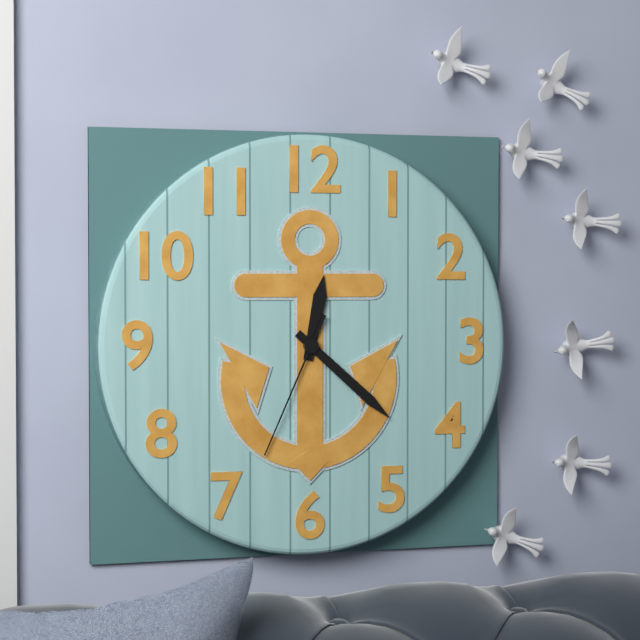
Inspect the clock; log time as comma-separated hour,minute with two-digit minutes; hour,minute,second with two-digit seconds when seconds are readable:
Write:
12,22,34
